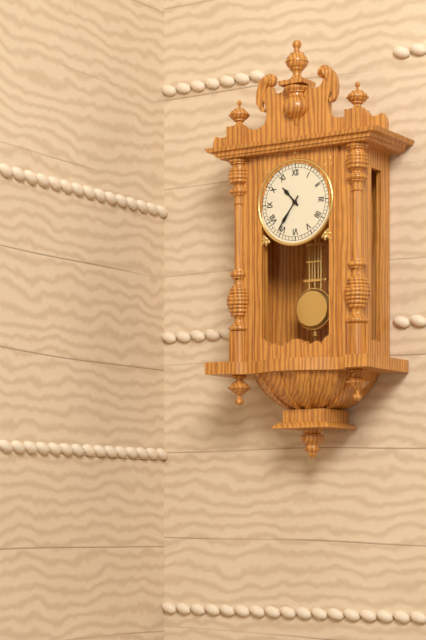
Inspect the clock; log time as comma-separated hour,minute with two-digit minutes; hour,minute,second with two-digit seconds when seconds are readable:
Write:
10,36
